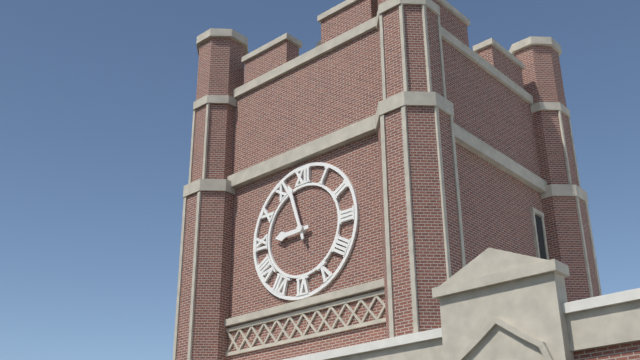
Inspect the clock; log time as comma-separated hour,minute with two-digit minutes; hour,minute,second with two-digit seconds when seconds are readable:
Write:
8,57
